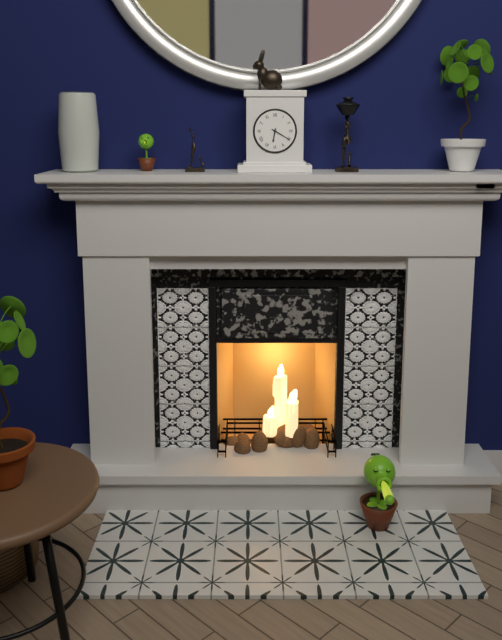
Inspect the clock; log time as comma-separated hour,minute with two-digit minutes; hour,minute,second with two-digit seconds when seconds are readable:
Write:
6,20
